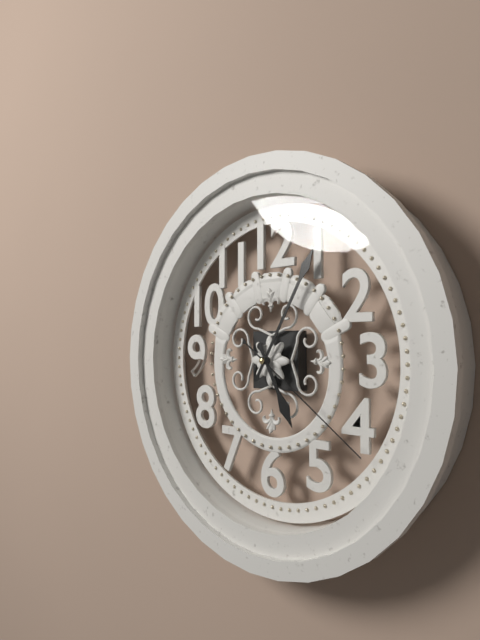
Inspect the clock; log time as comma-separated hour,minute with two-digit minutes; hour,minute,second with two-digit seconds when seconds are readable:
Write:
5,05,21
